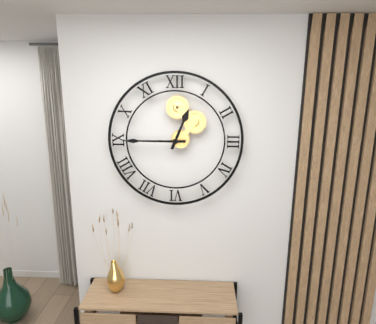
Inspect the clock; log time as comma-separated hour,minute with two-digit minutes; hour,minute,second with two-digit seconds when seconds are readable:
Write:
12,45
